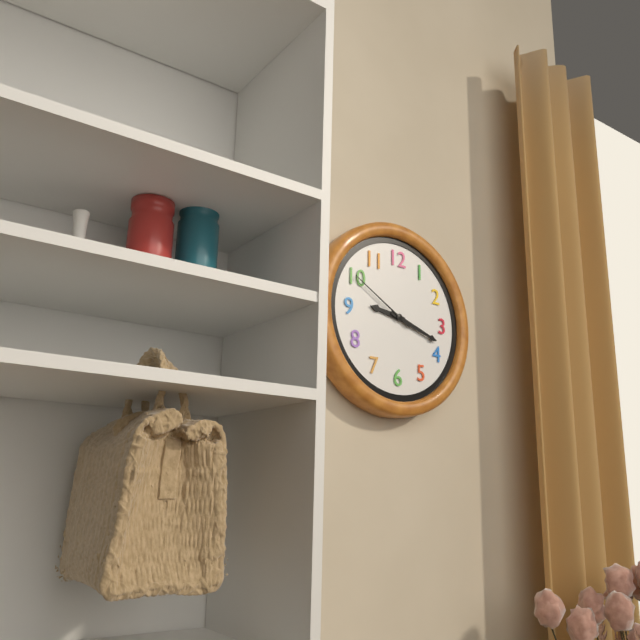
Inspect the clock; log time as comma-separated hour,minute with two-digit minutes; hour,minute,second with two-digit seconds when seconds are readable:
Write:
9,18,50
